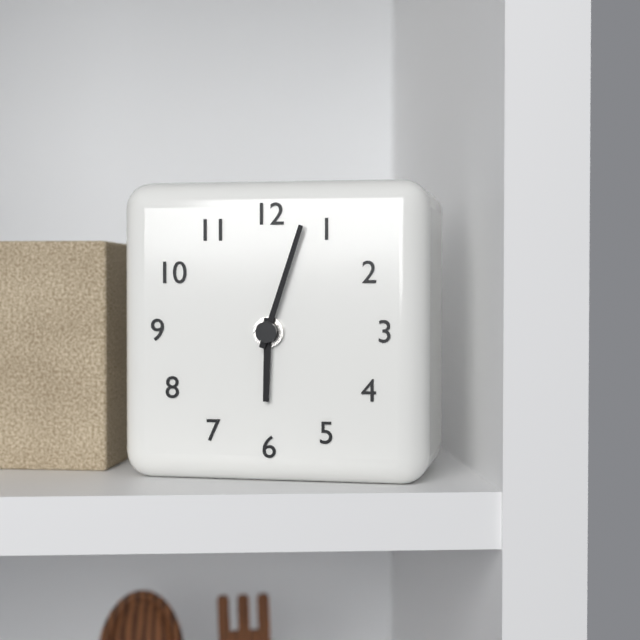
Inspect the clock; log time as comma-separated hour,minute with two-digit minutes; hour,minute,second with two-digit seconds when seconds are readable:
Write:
6,03
